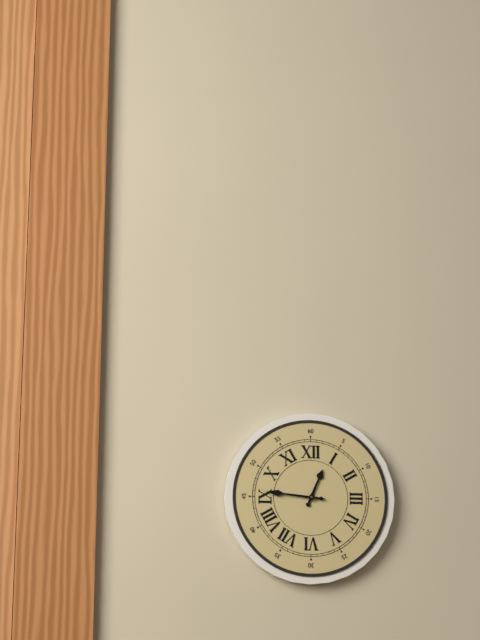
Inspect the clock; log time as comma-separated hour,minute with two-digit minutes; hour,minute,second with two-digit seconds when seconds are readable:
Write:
12,46,46
